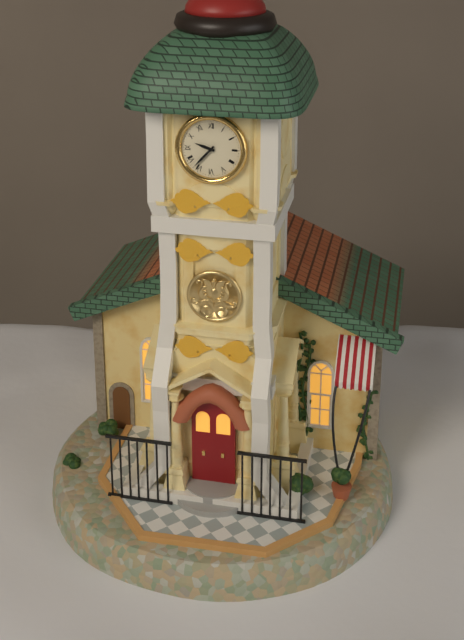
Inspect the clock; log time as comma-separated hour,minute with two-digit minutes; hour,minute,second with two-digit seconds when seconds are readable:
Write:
9,37
